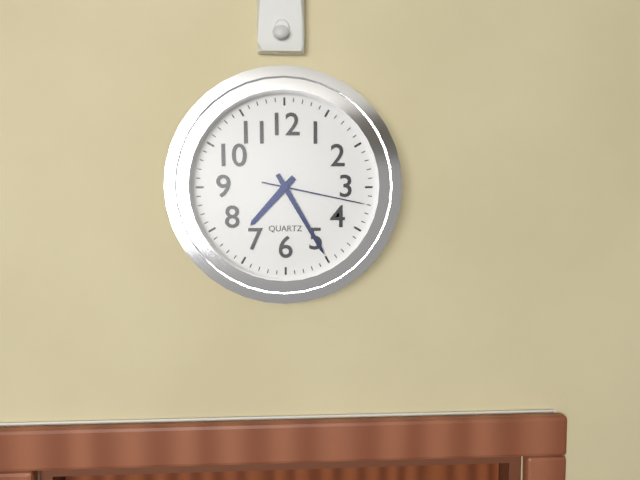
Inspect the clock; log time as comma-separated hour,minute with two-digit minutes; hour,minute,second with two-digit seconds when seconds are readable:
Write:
7,25,17
